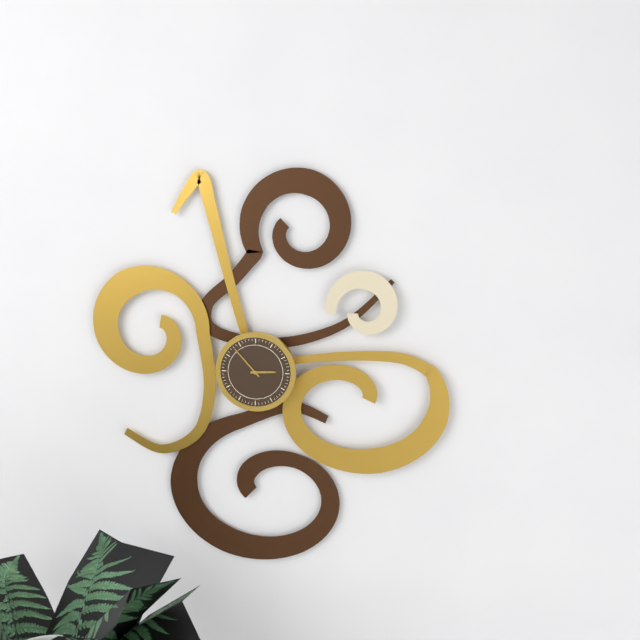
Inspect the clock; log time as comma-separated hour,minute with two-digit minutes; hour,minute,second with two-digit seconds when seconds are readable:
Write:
2,53
